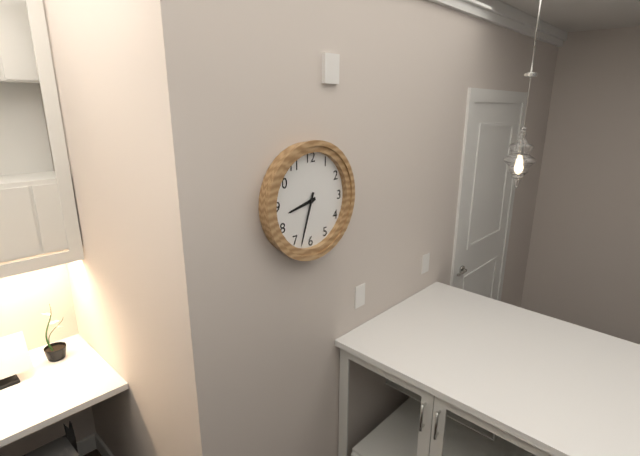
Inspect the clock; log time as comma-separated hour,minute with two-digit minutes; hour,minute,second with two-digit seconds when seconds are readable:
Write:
8,33
